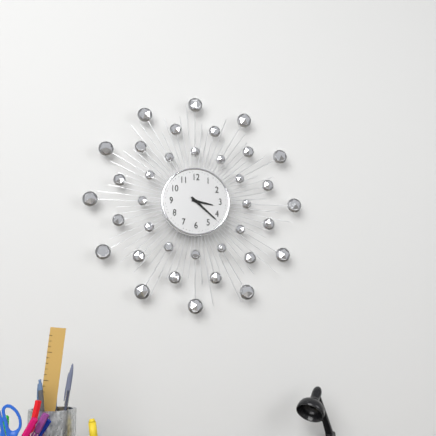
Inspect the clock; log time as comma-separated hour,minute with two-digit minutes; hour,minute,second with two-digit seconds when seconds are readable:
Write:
3,22
